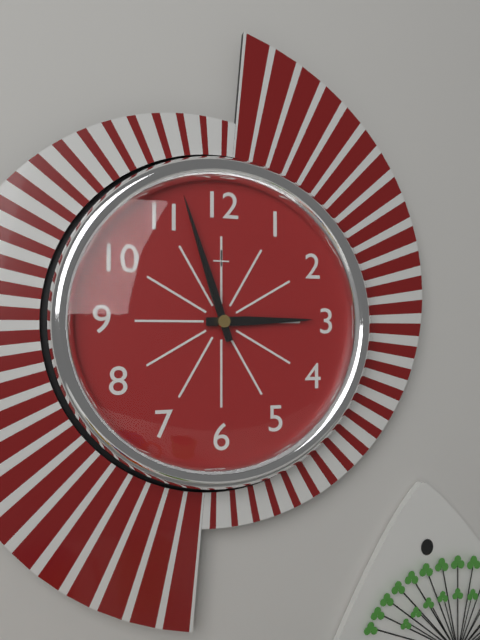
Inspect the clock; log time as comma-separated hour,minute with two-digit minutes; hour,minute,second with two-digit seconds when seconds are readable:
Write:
2,57
